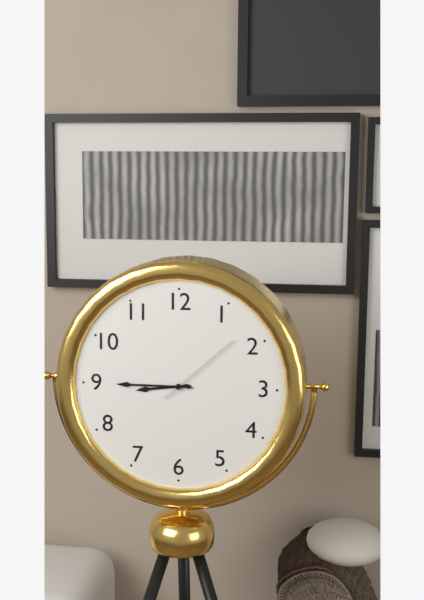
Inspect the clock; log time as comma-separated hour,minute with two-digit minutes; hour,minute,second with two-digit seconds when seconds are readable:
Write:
8,45,08
